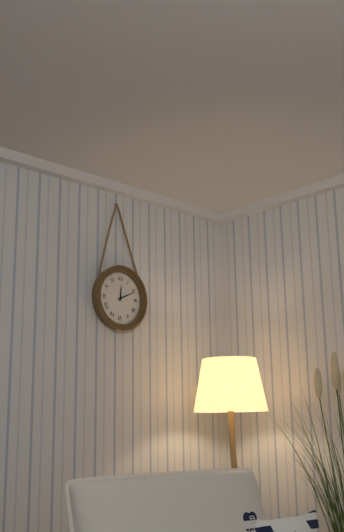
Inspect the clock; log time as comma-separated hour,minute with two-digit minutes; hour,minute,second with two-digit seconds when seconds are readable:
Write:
12,11
